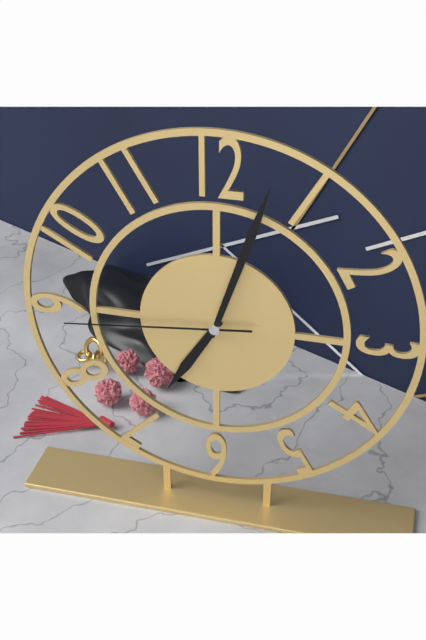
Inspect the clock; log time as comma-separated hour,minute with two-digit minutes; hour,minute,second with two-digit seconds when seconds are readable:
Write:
7,03,44
